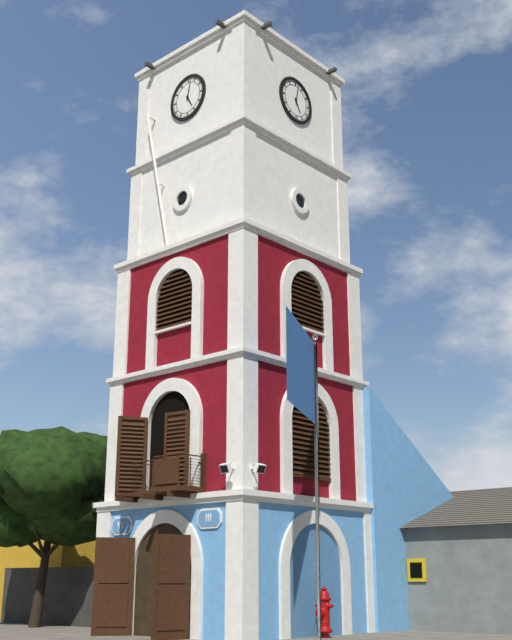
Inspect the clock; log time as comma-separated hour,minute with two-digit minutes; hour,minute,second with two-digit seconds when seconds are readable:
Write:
5,02
